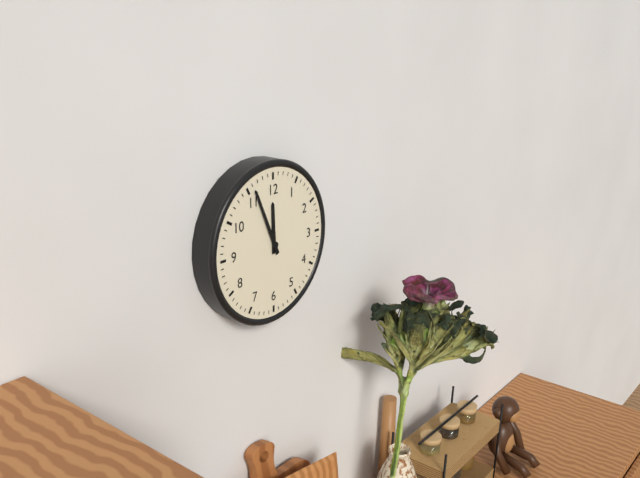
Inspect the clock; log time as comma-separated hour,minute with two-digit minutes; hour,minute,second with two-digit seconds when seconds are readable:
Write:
11,56
